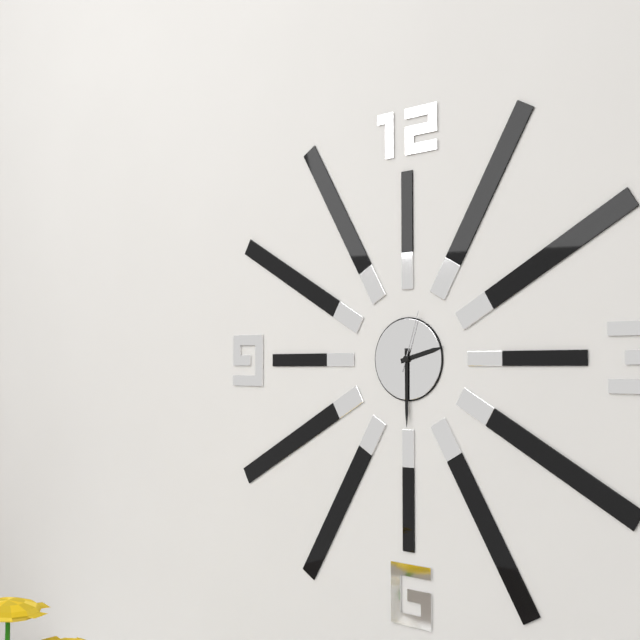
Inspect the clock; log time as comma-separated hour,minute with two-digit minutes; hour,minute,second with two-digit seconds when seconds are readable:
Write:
2,30,03
